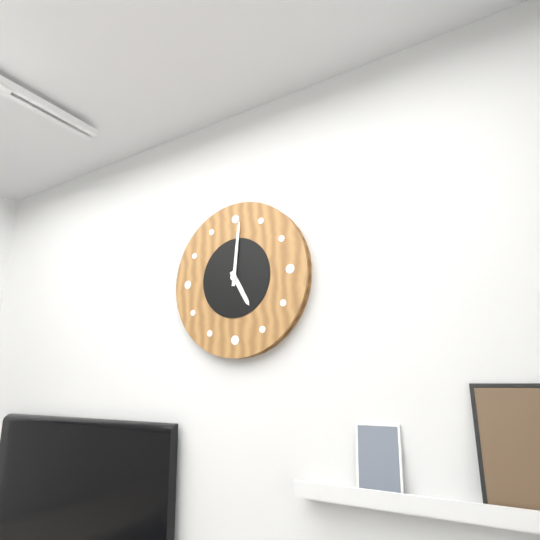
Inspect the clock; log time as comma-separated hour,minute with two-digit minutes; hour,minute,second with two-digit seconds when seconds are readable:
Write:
5,01
